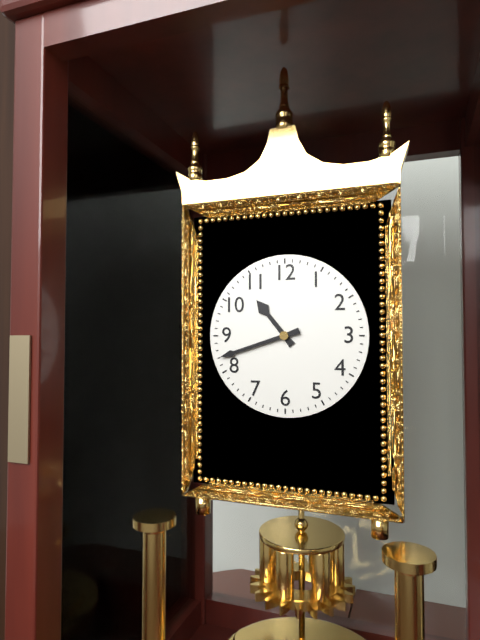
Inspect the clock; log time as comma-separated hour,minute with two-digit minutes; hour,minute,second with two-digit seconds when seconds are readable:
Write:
10,42
